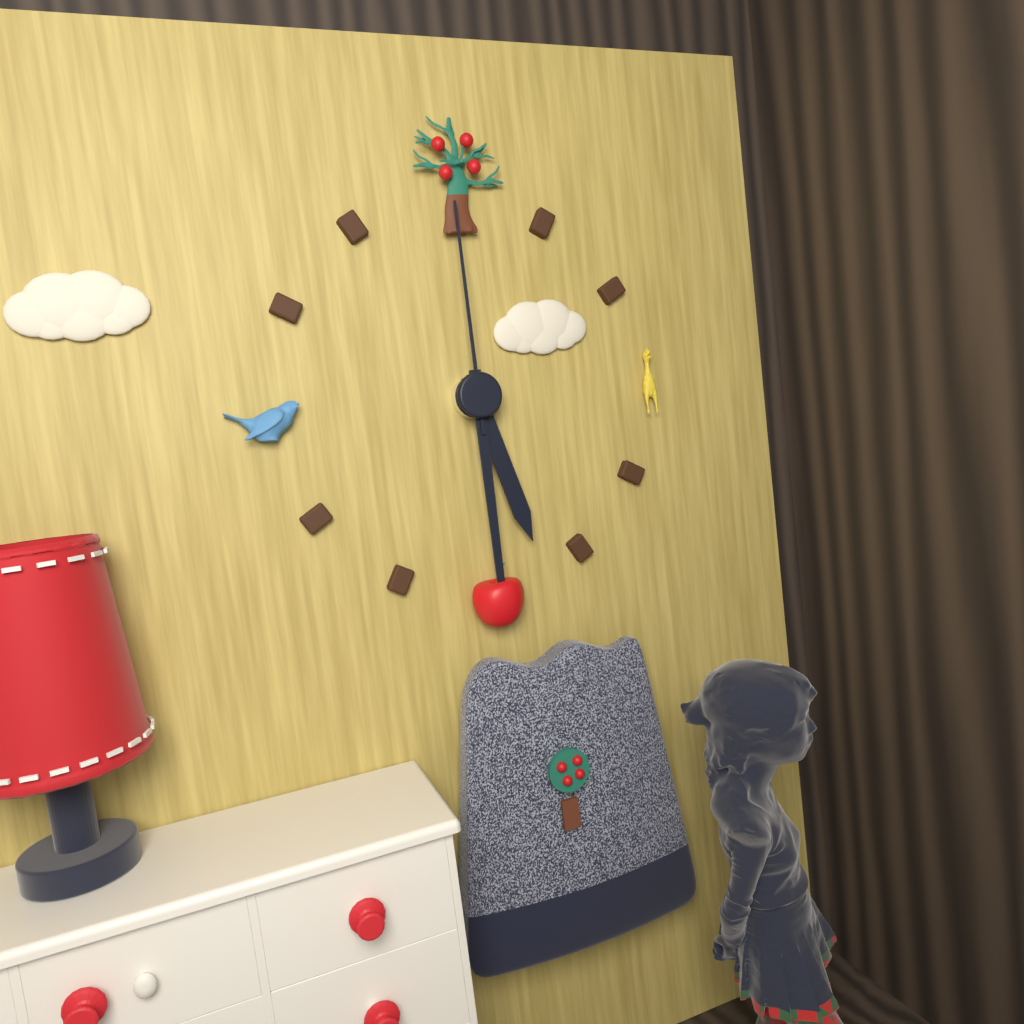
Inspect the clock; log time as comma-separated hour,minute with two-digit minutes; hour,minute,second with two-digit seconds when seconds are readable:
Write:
5,30,00
